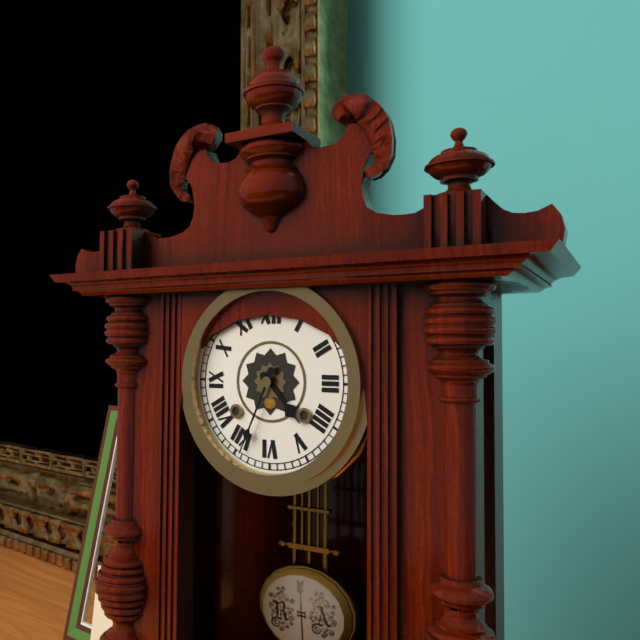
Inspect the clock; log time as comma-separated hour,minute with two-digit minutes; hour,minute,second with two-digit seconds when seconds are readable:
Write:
4,34
